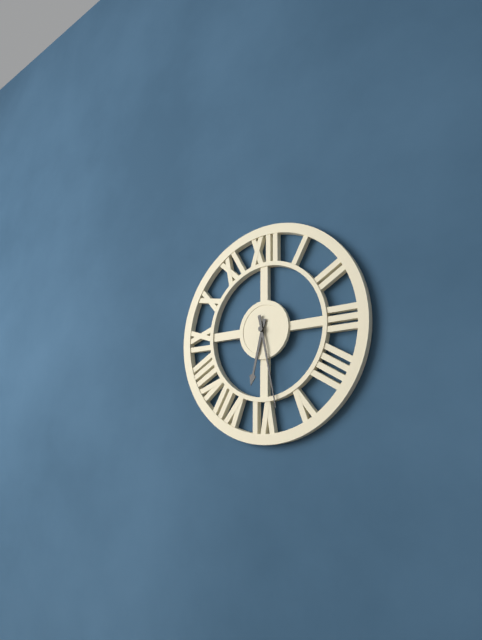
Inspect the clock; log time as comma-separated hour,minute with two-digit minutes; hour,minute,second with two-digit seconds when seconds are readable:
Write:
6,28
